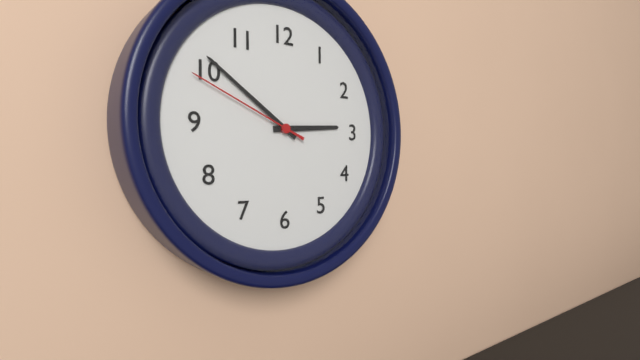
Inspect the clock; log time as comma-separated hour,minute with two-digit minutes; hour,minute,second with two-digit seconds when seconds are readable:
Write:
2,51,49
